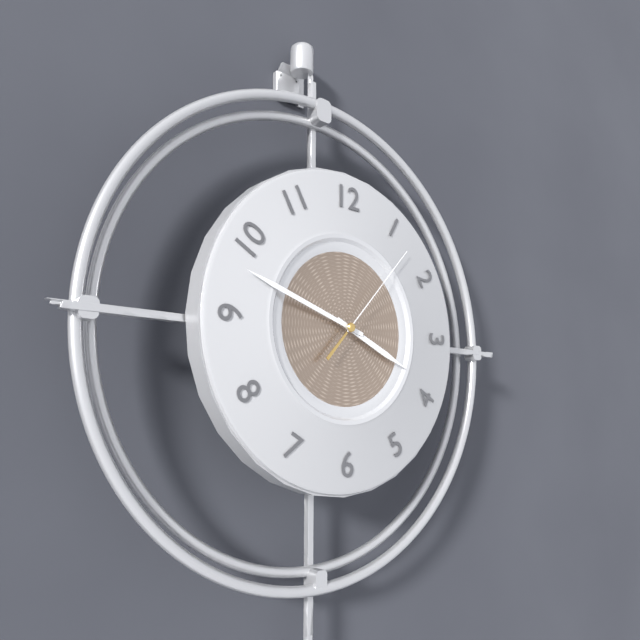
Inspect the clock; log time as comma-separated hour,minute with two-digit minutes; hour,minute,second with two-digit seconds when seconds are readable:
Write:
3,48,07
